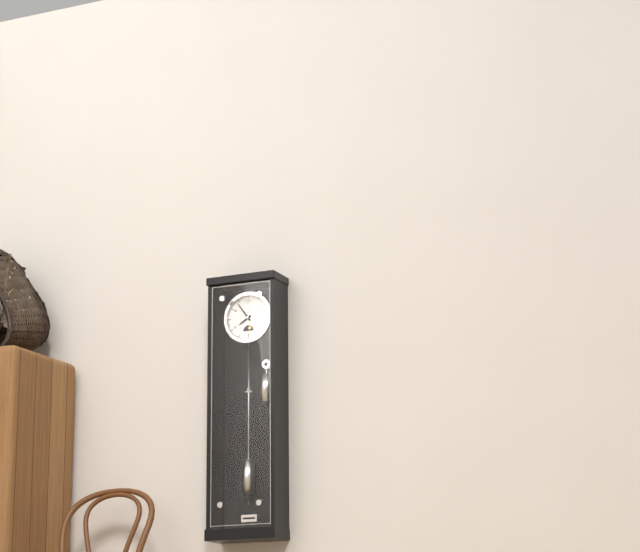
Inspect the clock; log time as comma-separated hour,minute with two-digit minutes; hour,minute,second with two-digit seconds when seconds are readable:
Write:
7,54
